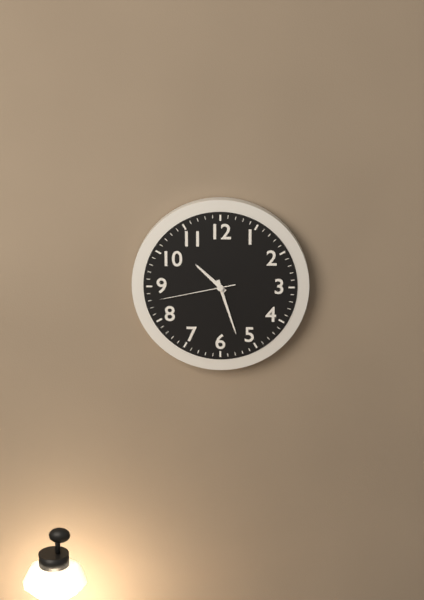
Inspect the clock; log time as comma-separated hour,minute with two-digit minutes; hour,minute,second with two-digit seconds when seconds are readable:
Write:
10,27,43
